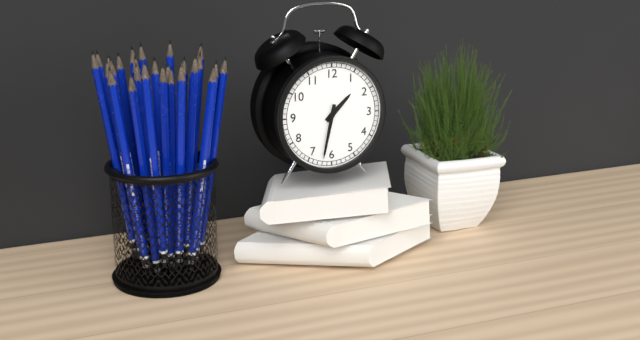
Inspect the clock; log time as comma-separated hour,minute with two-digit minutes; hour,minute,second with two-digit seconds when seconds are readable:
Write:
1,32
